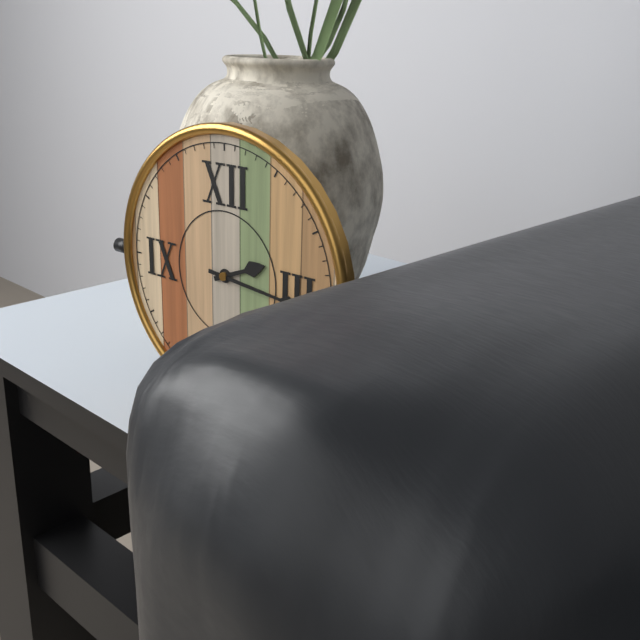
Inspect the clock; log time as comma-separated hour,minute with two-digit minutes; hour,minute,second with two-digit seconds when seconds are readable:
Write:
2,16
